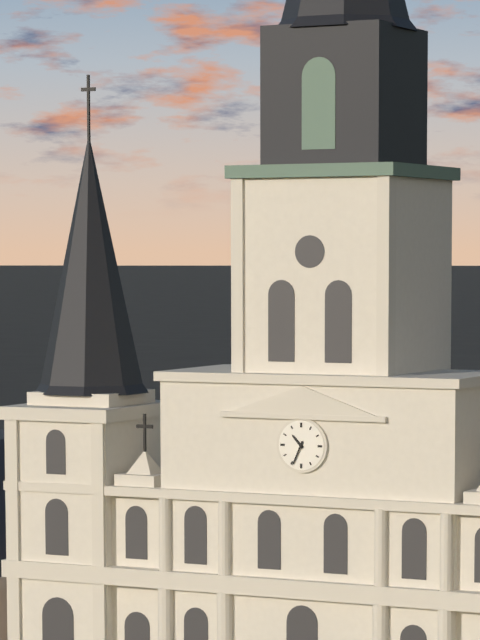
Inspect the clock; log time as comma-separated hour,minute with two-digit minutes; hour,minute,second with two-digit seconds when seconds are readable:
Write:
10,34
